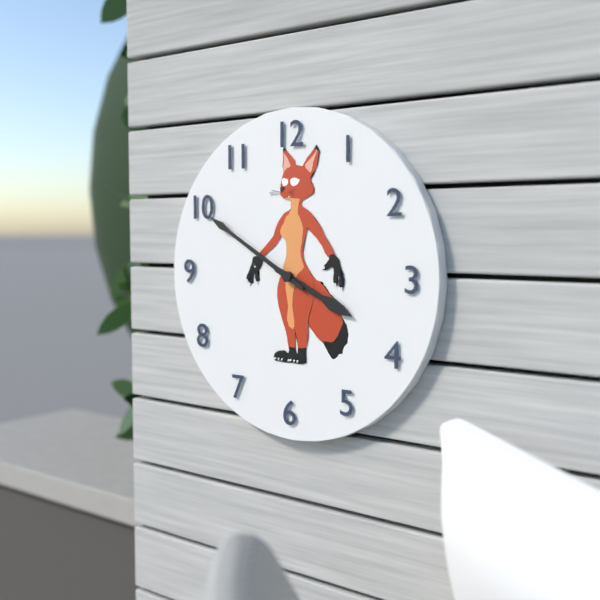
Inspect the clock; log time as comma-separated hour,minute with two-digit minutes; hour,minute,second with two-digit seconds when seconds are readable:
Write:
3,50
